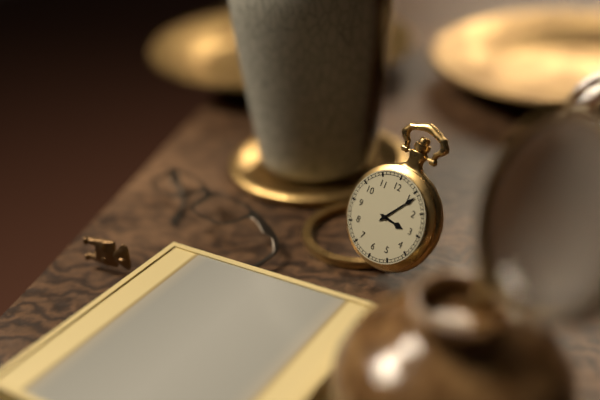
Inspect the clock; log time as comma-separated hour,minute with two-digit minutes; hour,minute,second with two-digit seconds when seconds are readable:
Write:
3,06
